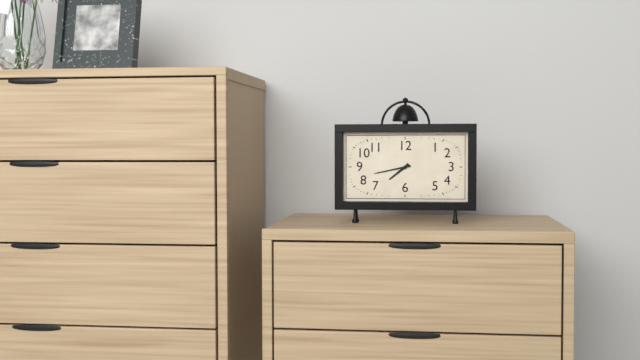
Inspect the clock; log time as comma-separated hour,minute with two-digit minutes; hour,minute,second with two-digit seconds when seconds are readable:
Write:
7,43
